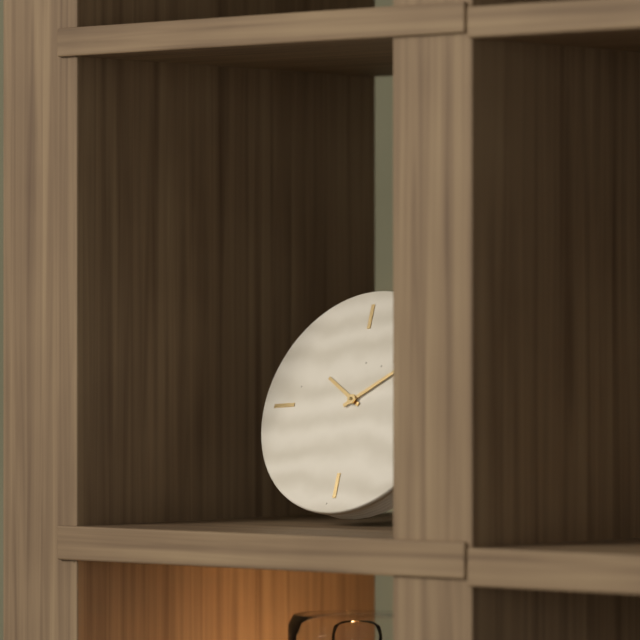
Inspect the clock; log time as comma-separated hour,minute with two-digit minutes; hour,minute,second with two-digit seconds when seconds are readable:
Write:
10,10
